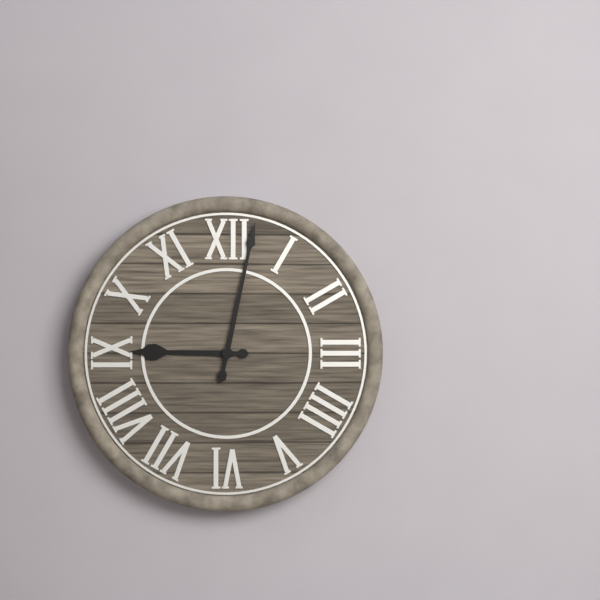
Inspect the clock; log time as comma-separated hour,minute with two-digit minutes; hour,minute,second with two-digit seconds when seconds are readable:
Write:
9,02
